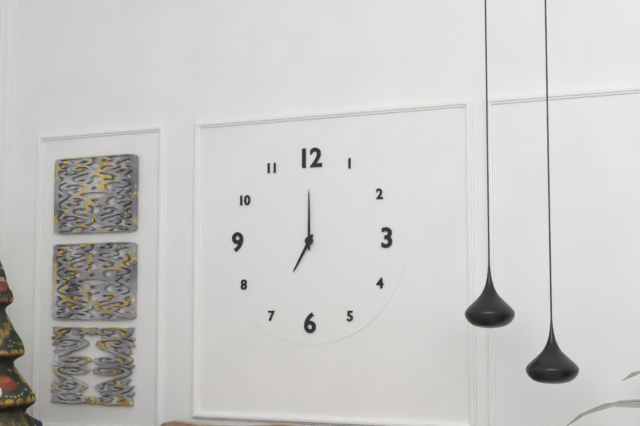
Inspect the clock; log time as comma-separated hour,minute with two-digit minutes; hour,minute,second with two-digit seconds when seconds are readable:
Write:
7,00
